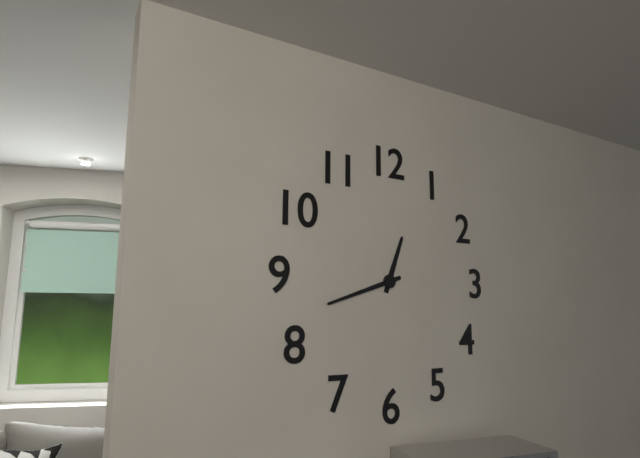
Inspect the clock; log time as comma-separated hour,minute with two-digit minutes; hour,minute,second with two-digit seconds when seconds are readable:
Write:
12,42
